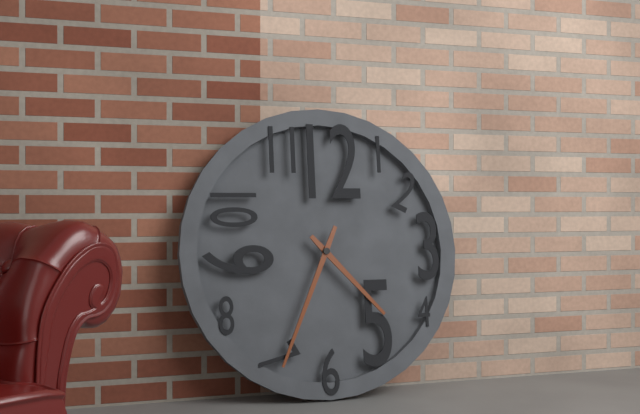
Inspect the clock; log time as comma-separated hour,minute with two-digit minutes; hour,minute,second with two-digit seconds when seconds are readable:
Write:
4,34
